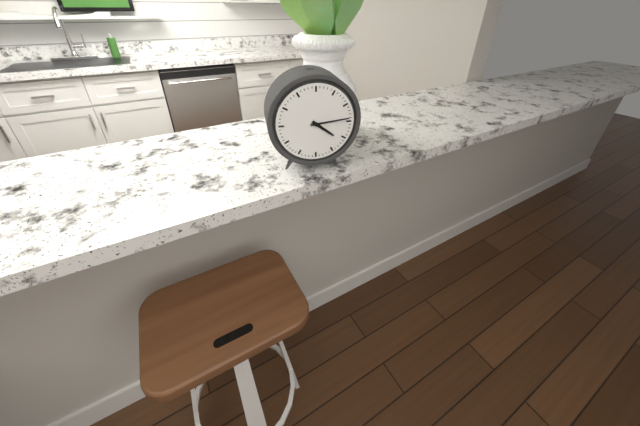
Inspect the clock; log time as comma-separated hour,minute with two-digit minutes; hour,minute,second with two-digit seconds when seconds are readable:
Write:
4,14
